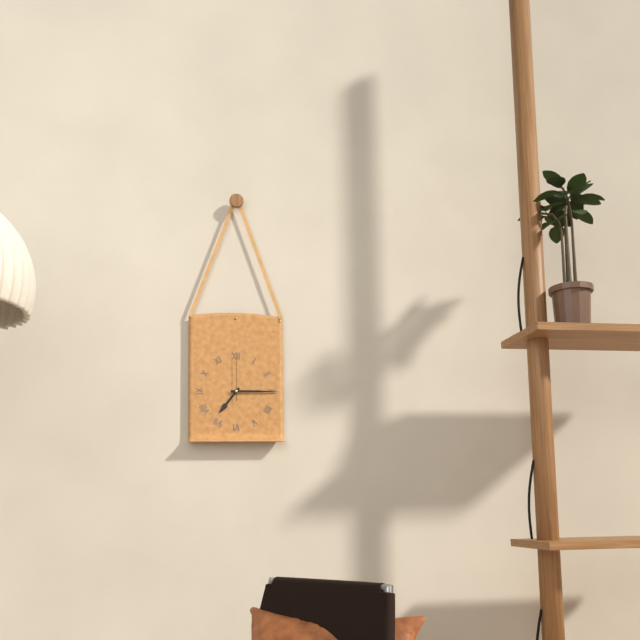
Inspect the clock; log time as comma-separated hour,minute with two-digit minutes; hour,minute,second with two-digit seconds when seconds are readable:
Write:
7,15,00
